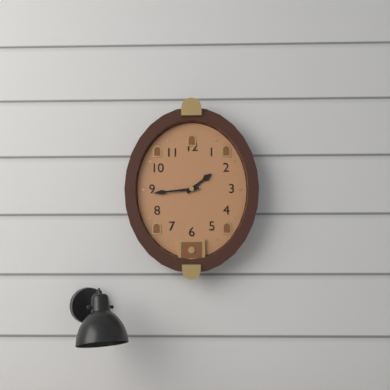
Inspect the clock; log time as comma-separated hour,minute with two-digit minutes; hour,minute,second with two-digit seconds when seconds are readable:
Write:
1,44
